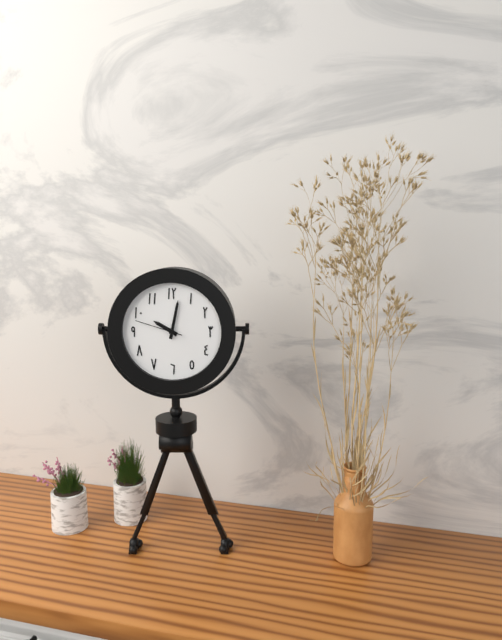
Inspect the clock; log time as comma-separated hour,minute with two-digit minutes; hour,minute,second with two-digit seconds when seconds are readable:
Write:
10,02
